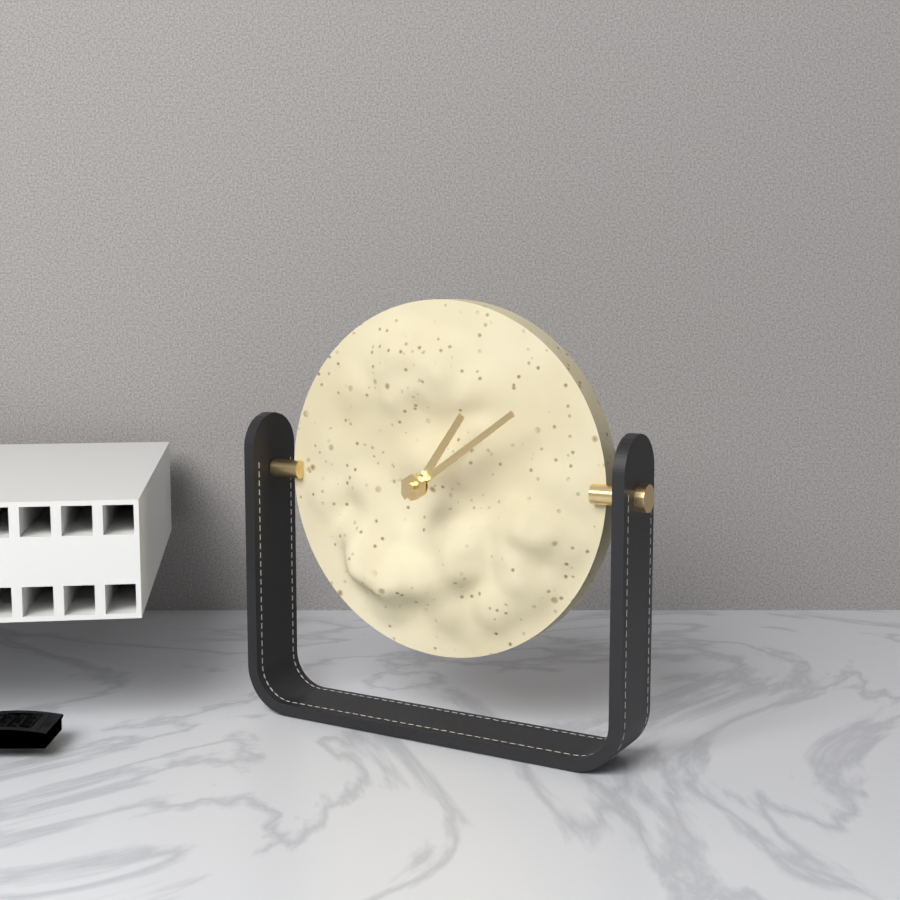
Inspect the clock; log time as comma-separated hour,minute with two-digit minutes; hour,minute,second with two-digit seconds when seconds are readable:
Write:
1,09
